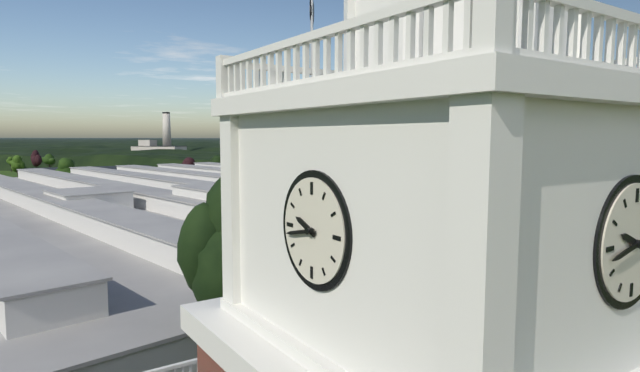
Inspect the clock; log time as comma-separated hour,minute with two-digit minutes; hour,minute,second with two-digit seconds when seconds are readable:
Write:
9,43
